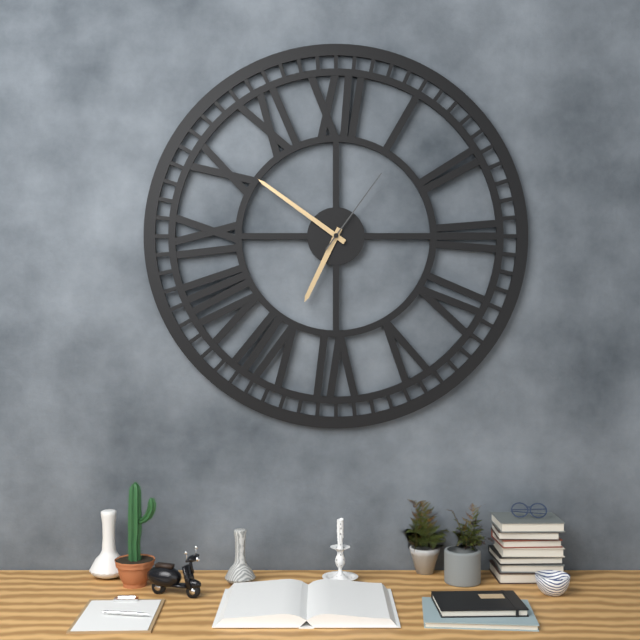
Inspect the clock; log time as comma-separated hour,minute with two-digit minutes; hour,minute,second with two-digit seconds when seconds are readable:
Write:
6,51,06
